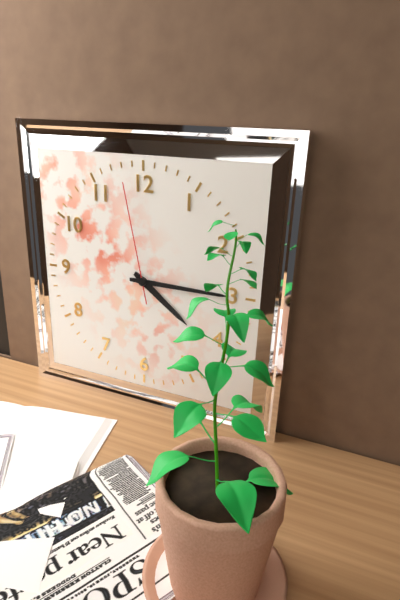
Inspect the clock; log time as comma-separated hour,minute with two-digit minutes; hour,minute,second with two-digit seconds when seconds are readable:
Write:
4,15,58
